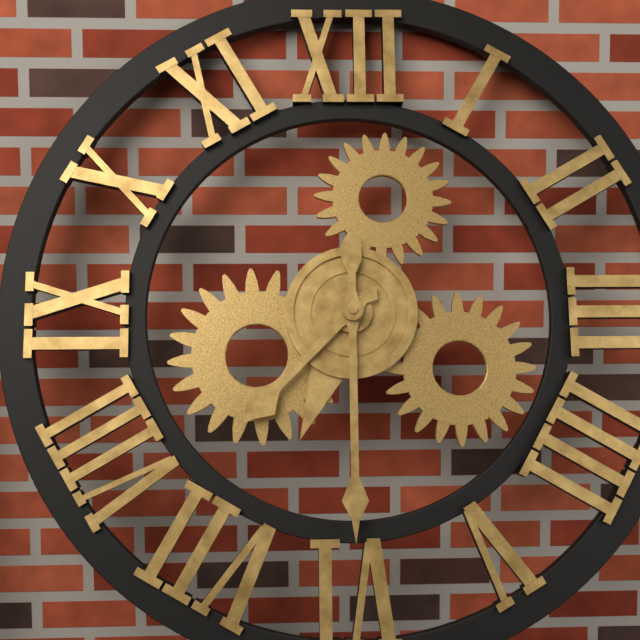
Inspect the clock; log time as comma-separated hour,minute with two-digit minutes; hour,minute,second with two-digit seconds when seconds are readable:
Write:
7,30
